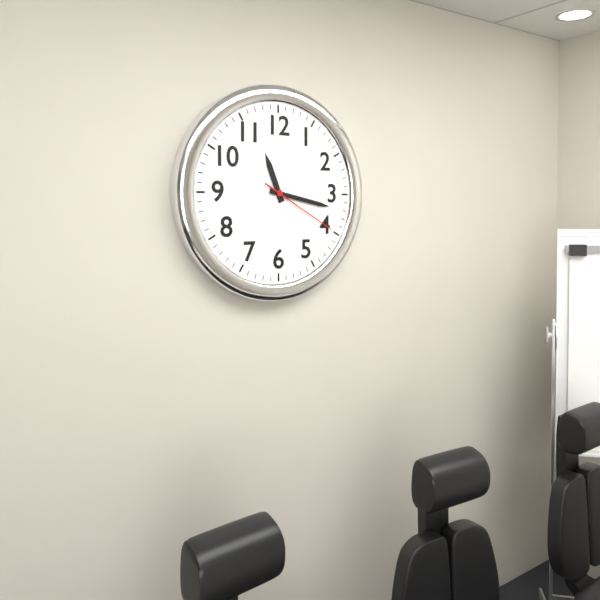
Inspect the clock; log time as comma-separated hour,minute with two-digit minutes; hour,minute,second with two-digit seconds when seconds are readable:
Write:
11,17,20
